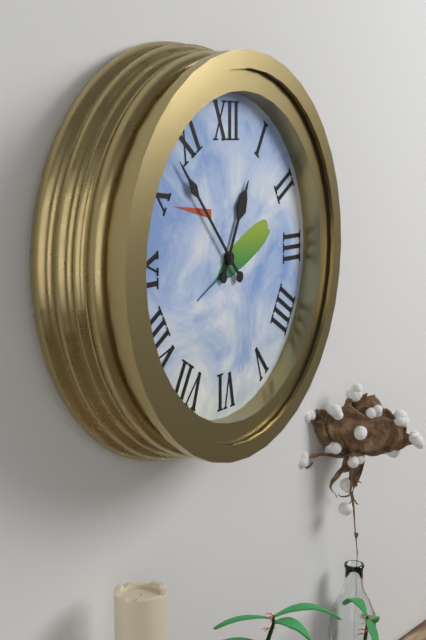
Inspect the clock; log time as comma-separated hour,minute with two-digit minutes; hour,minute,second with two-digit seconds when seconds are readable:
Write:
12,53
